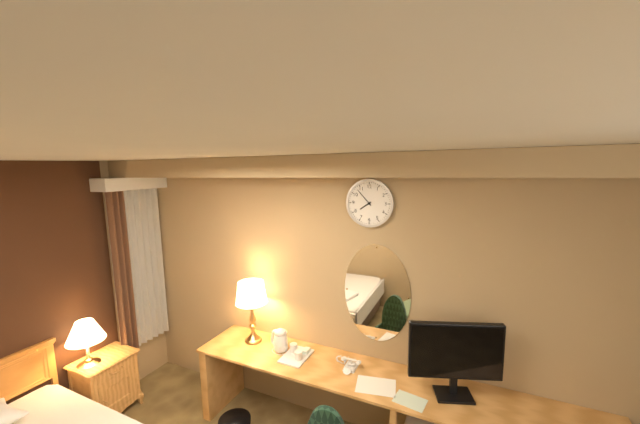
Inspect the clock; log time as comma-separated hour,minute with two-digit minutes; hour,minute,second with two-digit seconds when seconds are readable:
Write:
7,53
